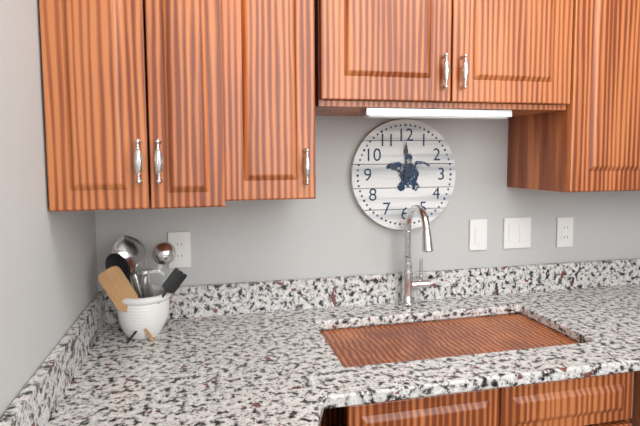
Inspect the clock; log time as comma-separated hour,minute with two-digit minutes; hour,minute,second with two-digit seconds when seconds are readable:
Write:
10,00
